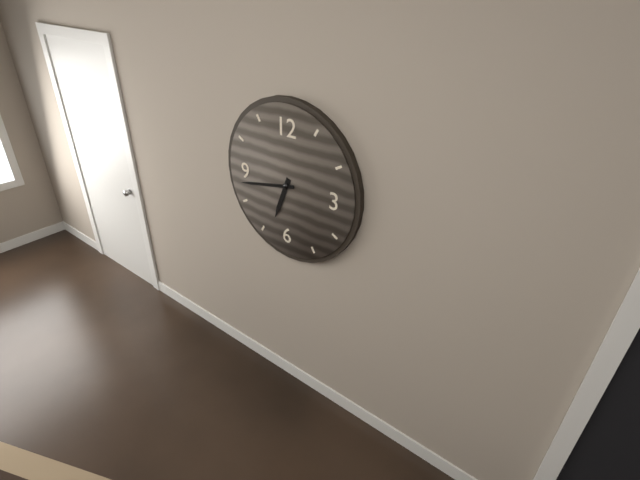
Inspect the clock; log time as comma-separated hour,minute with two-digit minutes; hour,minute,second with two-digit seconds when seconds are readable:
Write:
6,43
